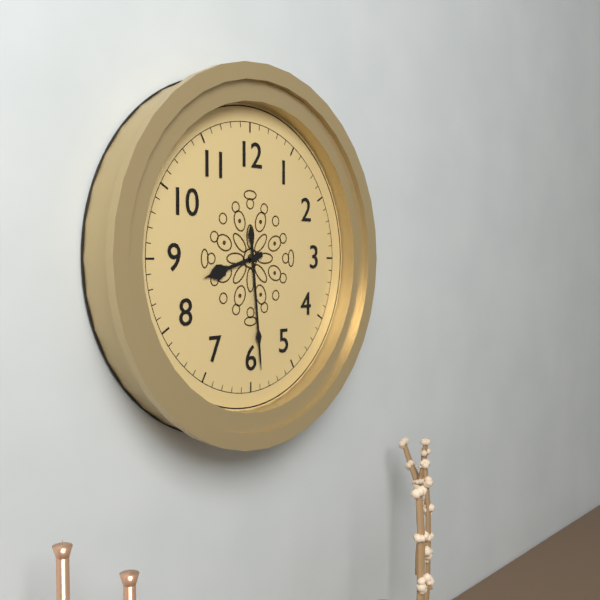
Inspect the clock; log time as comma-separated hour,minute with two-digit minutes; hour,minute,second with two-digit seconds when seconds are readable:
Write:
8,29
